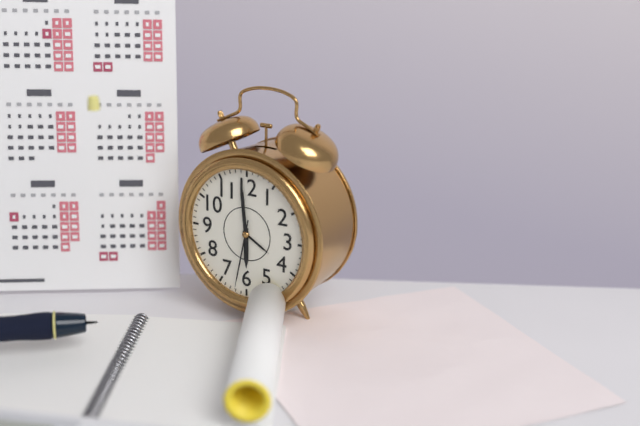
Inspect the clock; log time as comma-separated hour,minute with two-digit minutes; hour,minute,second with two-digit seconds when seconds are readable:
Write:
5,59,32
